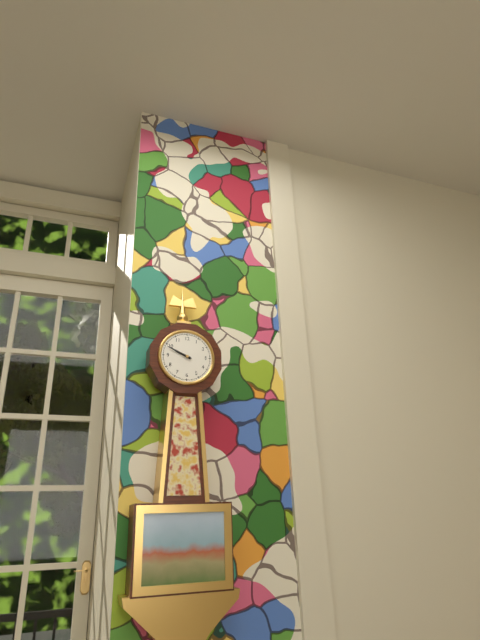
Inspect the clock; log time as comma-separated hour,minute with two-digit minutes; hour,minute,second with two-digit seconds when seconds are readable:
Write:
9,49
